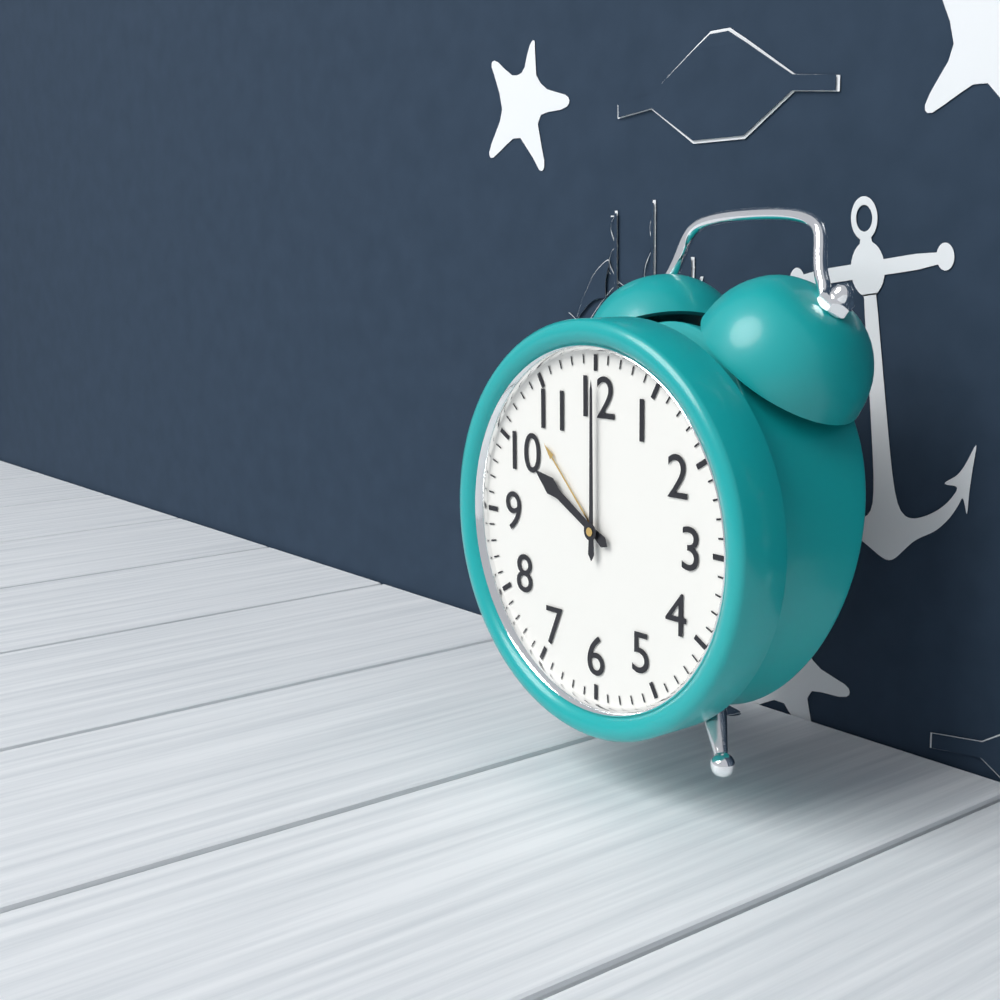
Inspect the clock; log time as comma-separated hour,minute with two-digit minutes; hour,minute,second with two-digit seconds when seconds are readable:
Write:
10,00
